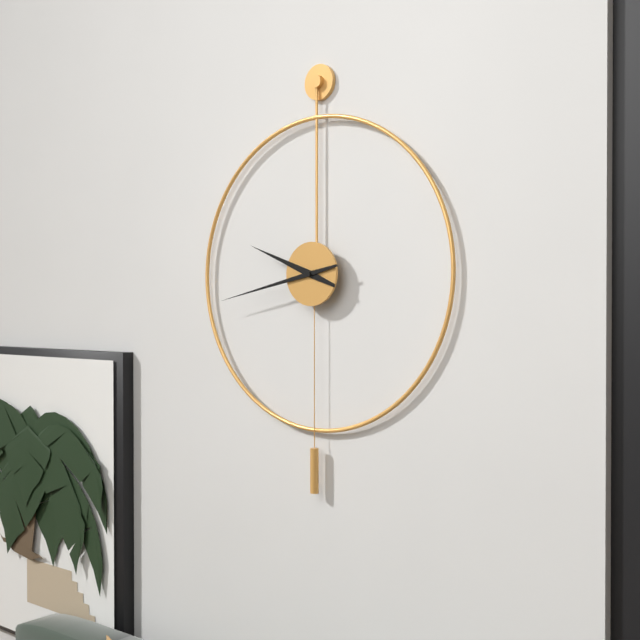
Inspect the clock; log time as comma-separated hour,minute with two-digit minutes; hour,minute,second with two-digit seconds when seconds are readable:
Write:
9,43
